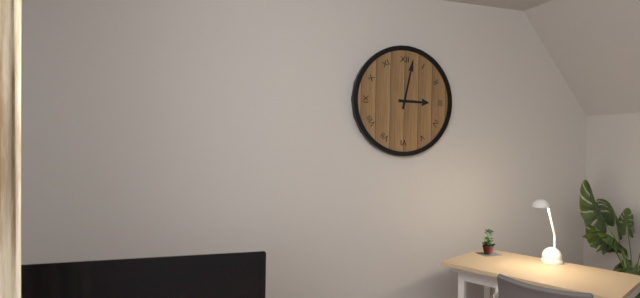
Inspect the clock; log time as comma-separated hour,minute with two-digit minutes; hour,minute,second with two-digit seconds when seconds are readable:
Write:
3,02
